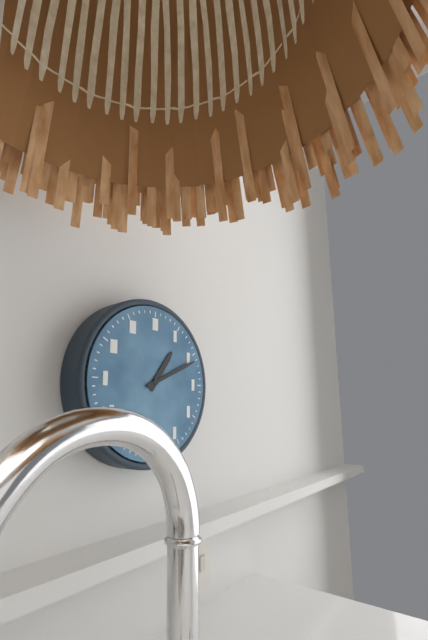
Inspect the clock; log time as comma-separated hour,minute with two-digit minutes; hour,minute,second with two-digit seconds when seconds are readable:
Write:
1,11
